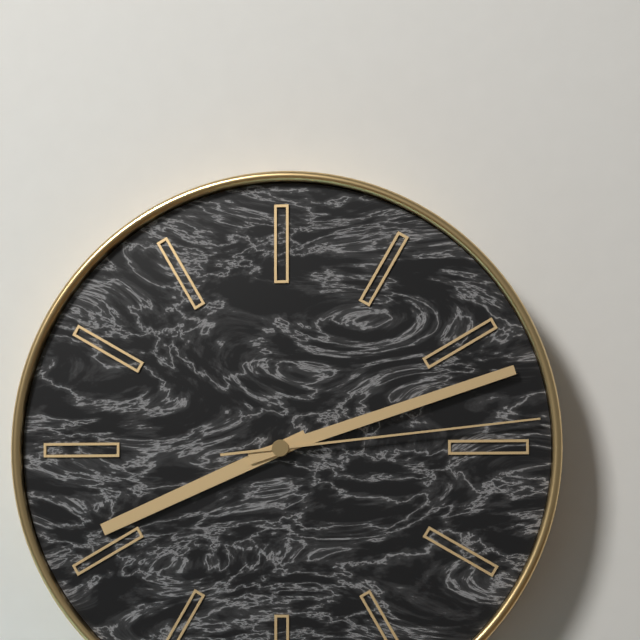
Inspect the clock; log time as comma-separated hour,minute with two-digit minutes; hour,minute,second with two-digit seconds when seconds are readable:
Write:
8,12,14
